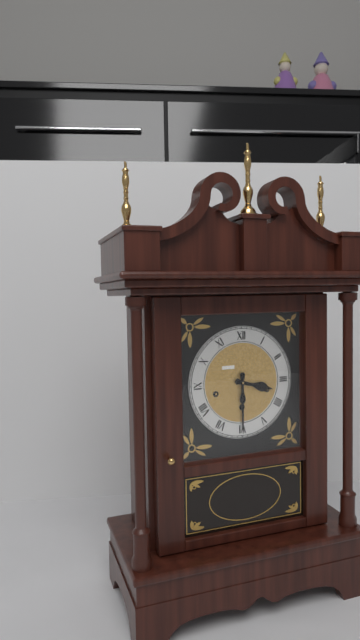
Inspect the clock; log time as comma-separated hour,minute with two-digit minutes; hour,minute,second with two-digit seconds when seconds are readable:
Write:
3,30
